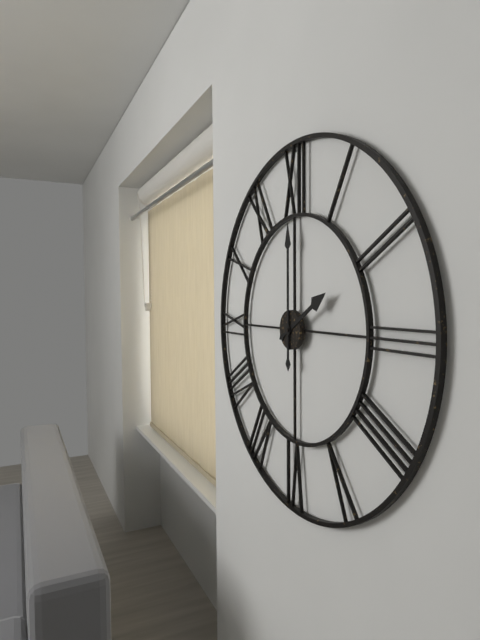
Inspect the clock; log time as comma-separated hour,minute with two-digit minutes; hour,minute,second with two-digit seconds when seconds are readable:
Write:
2,00
